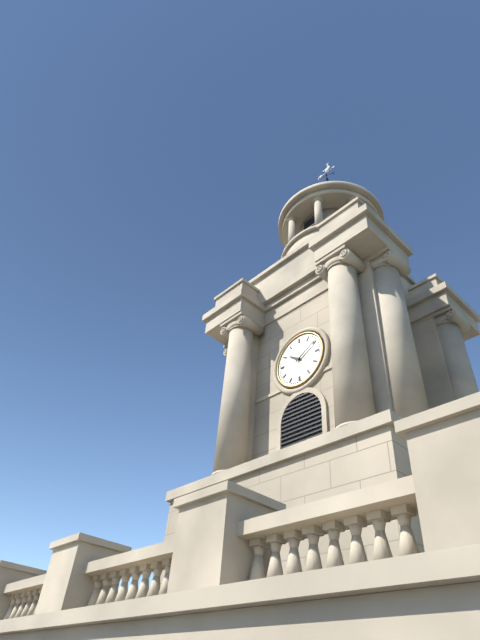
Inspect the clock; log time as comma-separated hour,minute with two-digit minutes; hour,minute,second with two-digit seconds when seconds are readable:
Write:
10,10
